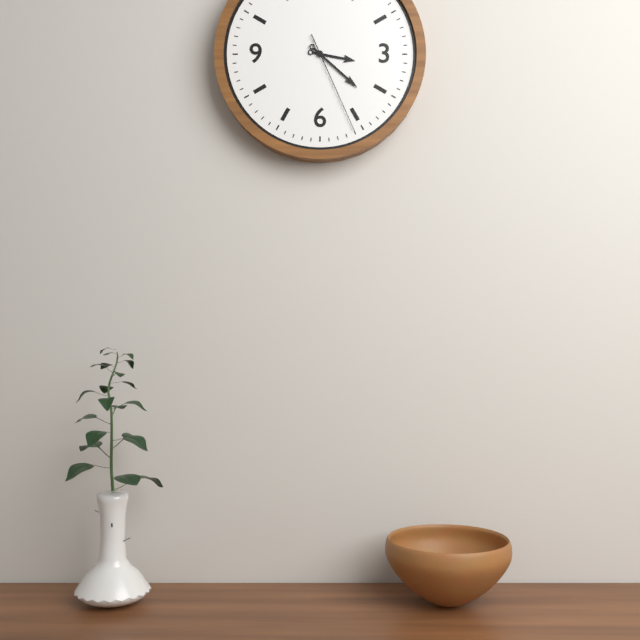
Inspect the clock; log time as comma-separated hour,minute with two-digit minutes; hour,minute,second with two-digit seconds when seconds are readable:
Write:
3,22,26
